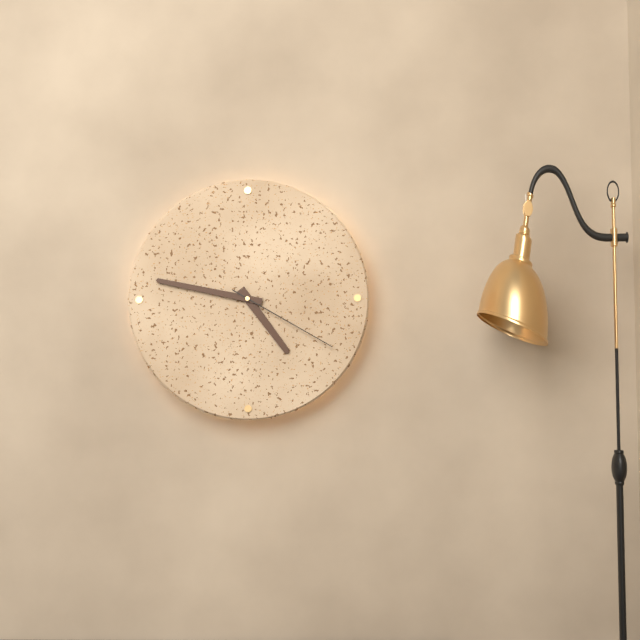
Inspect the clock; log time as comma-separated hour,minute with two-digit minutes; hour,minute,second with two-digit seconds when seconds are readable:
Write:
4,47,20
